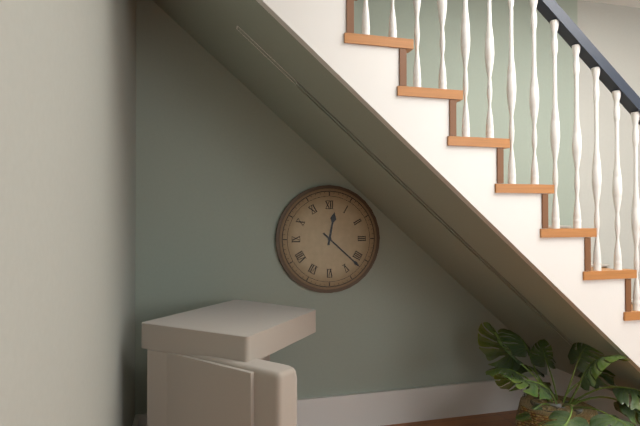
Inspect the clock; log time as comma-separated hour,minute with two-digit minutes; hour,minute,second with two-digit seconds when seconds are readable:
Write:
12,22
